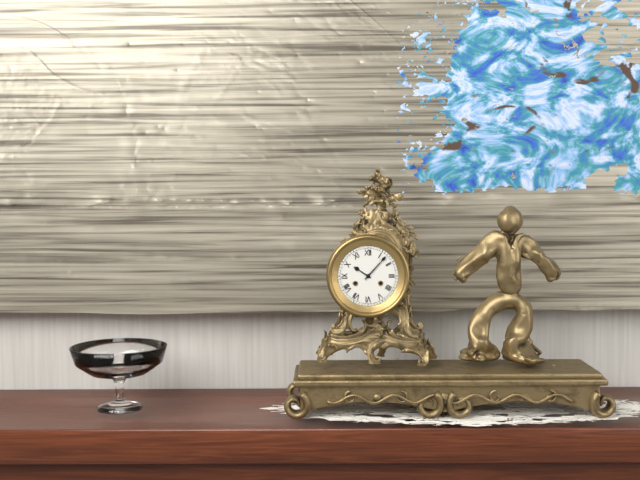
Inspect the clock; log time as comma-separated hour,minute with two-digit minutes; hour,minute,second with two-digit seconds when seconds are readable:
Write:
10,07
